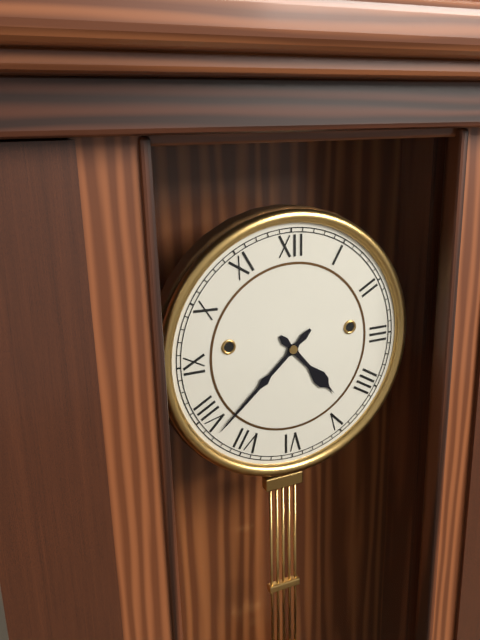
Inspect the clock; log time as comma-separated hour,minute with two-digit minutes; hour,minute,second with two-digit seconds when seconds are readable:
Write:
4,38
